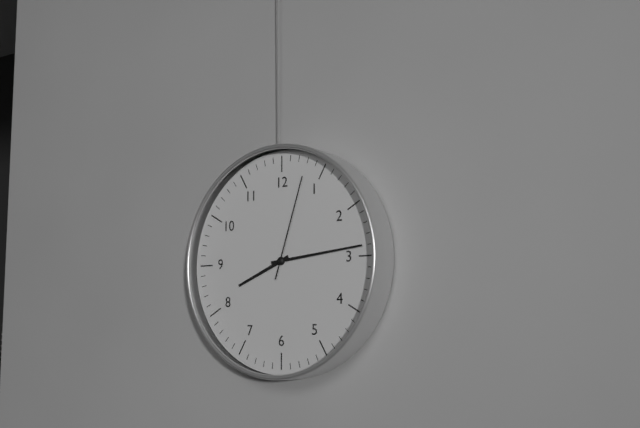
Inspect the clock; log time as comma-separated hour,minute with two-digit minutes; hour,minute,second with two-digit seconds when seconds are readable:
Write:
8,14,03
